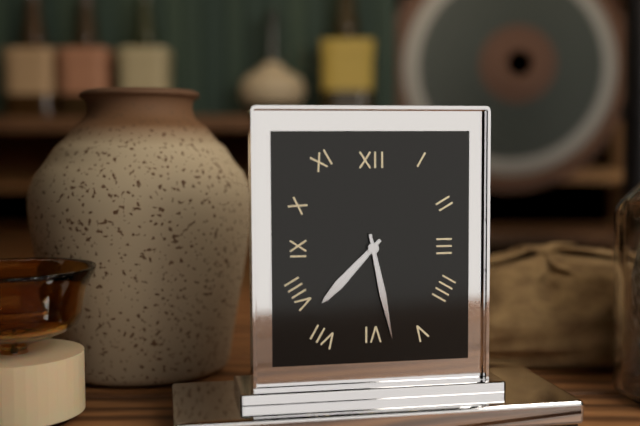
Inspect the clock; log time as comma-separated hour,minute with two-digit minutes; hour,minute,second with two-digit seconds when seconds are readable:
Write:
7,28
